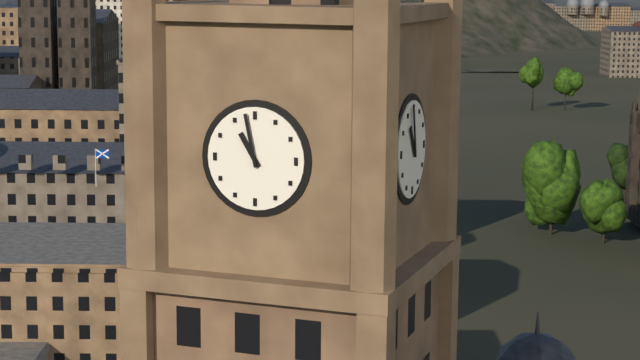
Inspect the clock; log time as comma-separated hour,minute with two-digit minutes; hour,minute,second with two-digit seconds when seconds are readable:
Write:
10,58
